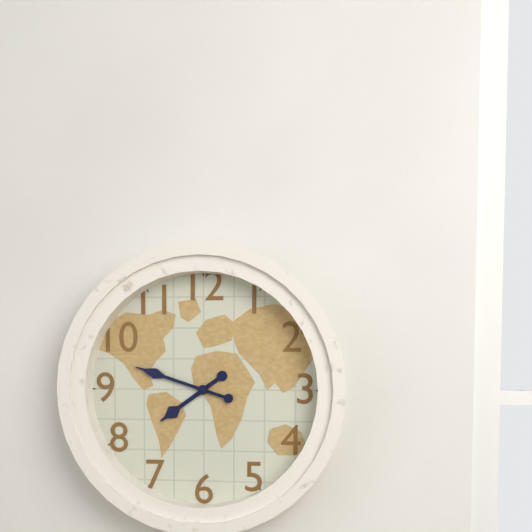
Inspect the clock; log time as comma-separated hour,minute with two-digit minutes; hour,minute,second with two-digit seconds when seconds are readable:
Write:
7,48
